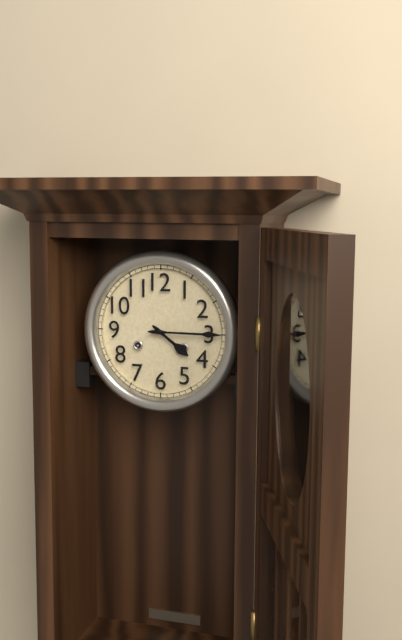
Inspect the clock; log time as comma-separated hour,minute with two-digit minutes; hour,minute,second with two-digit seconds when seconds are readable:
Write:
4,15
